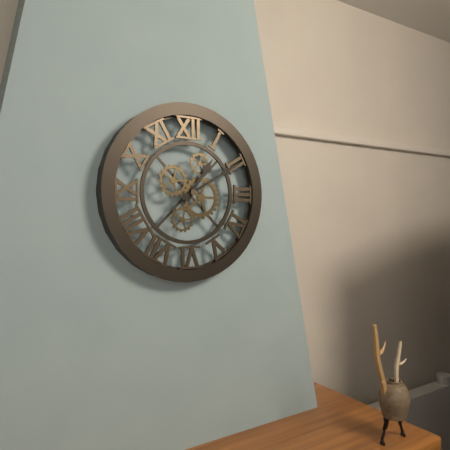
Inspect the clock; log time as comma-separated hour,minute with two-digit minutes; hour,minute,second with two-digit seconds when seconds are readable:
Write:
1,10
